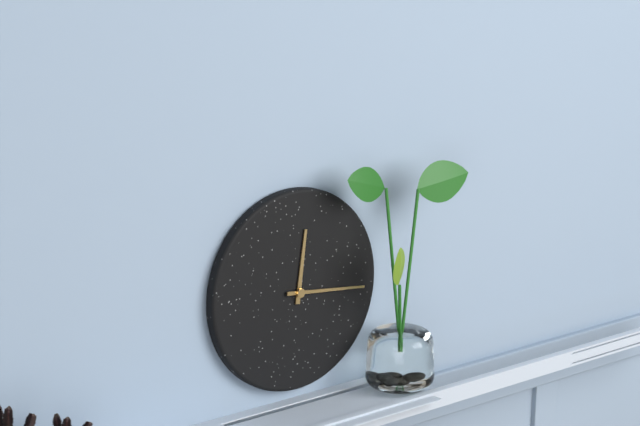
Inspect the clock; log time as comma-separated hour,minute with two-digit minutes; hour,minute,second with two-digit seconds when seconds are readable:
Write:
12,16
